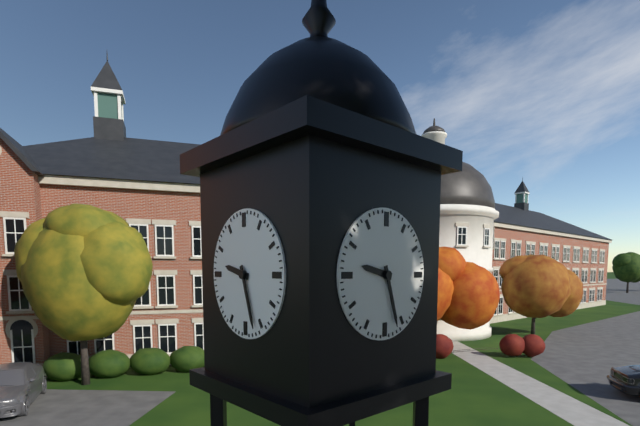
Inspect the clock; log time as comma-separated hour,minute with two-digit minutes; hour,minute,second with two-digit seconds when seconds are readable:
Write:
9,27
